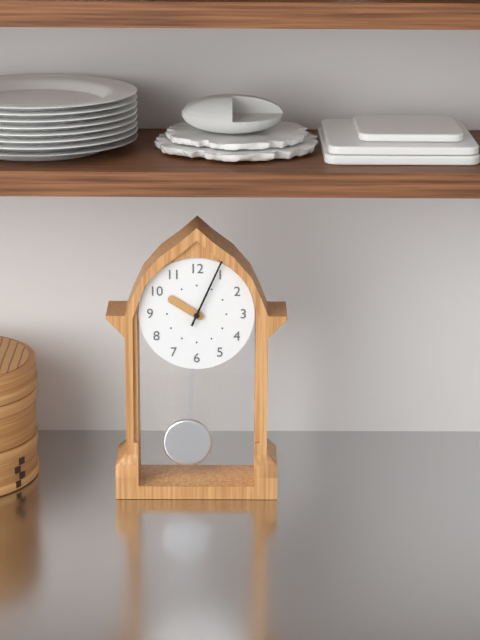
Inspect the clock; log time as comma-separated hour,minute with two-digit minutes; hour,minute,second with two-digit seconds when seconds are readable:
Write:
10,04
